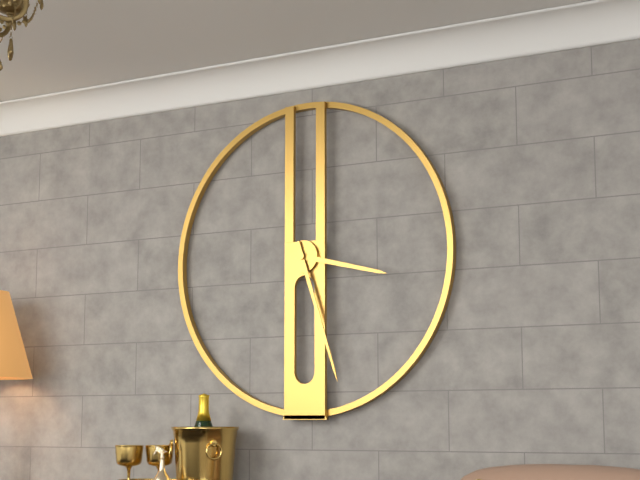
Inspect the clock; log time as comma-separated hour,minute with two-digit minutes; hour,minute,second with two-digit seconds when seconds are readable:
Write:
3,27
